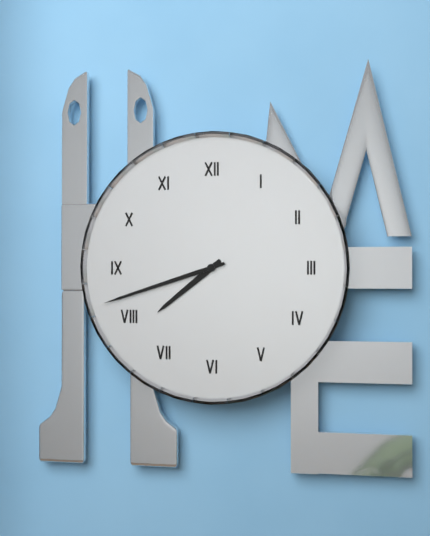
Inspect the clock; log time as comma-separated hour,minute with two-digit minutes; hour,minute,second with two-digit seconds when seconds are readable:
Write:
7,42
